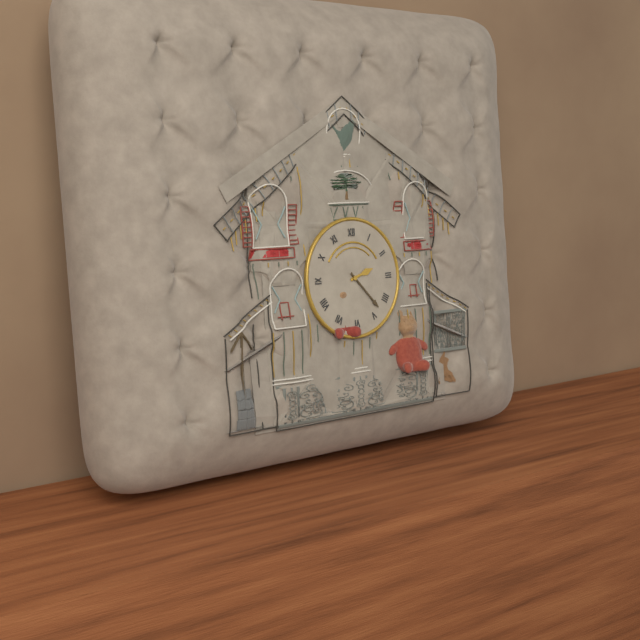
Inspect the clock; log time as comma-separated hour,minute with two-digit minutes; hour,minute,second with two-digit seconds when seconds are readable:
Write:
2,23
